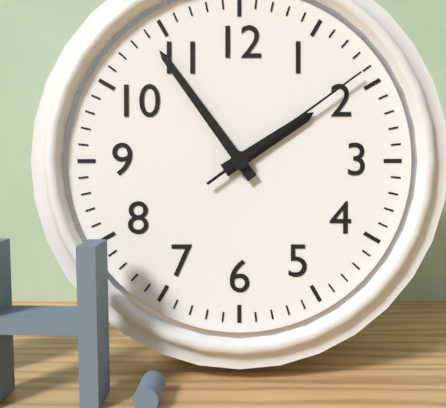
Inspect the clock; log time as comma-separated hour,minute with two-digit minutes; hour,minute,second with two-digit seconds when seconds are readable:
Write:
1,54,09
